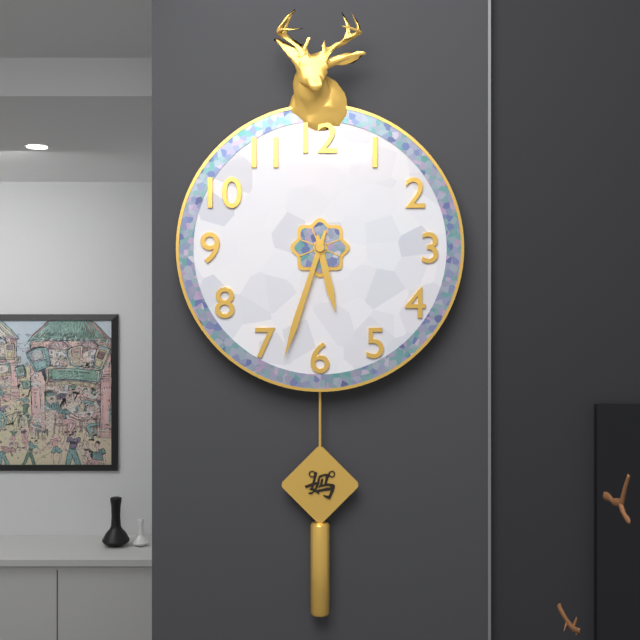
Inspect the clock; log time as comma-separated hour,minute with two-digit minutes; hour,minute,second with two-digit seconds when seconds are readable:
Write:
5,33
